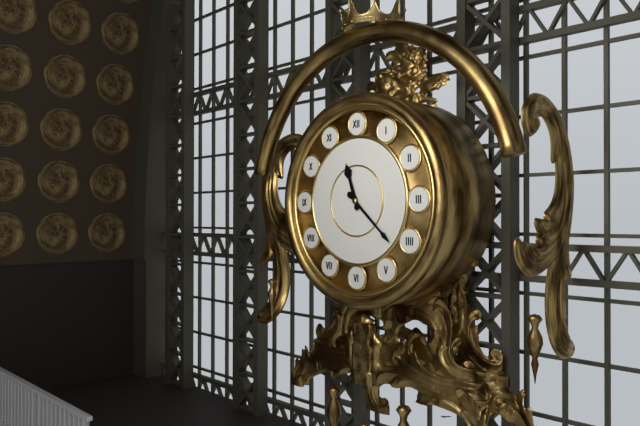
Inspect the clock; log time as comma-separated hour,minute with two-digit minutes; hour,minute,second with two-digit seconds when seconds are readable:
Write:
11,22
